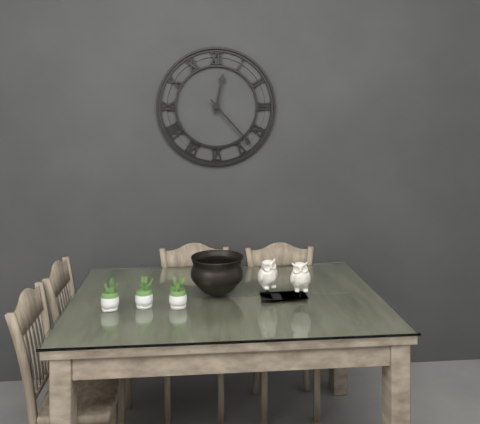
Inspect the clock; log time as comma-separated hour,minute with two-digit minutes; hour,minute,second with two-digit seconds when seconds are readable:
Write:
12,23
